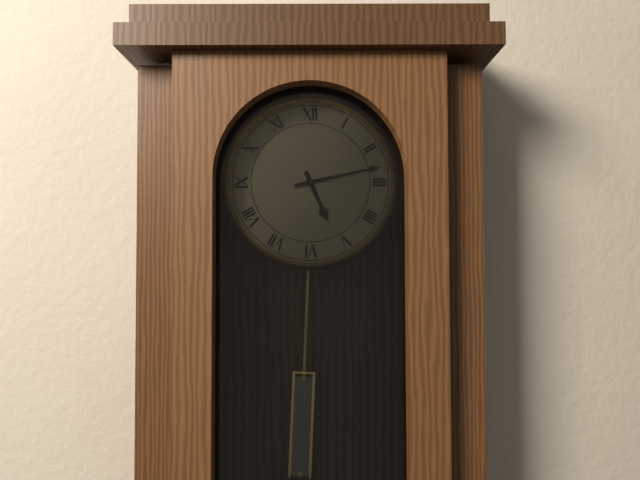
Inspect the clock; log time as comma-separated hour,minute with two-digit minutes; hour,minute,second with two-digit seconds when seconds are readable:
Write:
5,13
